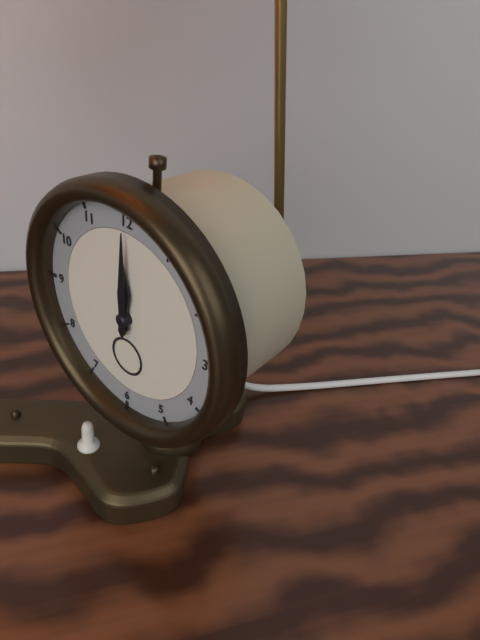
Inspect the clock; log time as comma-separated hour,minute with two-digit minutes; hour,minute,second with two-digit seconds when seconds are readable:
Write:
12,00
